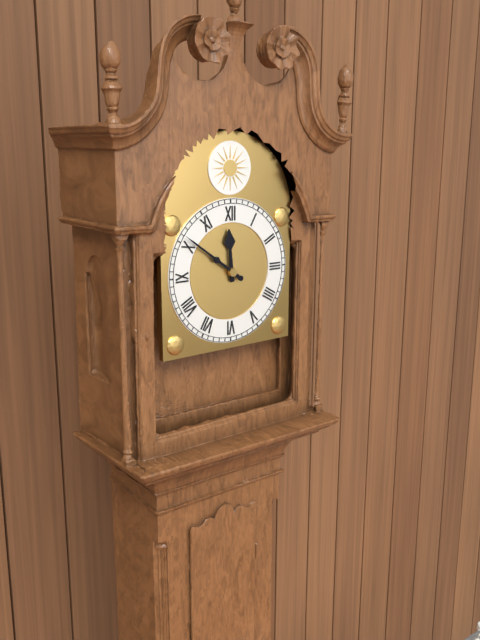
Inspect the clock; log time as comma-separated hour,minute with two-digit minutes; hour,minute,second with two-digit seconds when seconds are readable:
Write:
11,51
